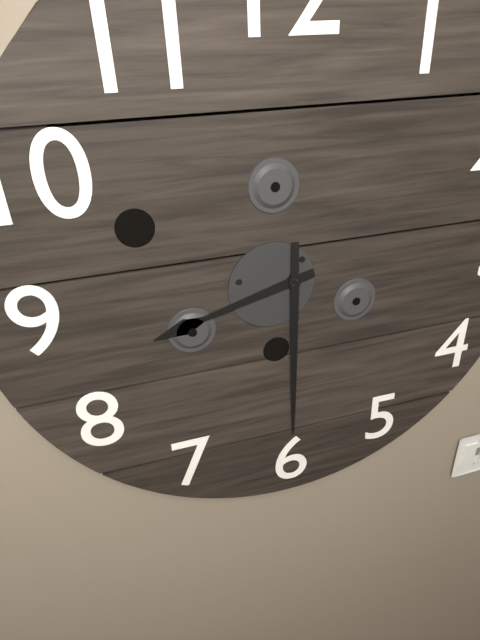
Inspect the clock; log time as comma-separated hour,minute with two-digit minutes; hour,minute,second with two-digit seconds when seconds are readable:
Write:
8,30
